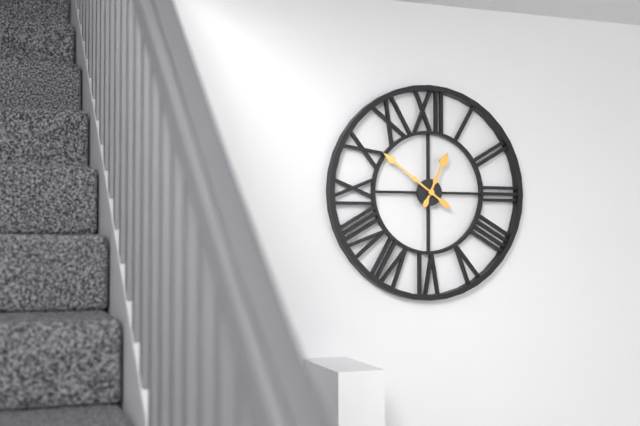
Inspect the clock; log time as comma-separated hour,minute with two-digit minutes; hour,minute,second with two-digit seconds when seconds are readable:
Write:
12,51
